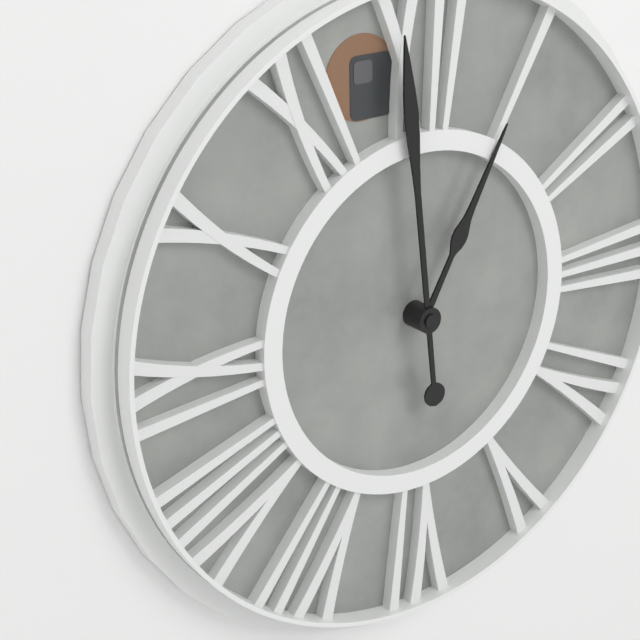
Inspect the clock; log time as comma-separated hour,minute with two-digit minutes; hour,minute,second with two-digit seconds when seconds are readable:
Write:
12,59
